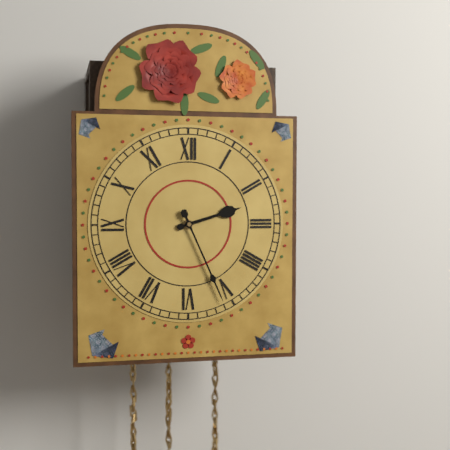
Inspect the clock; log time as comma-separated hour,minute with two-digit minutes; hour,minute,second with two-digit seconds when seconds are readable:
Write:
2,26
